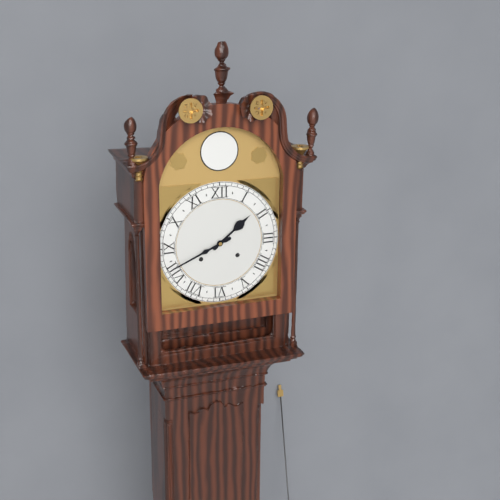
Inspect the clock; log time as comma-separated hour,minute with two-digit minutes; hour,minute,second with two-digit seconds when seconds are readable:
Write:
1,41
